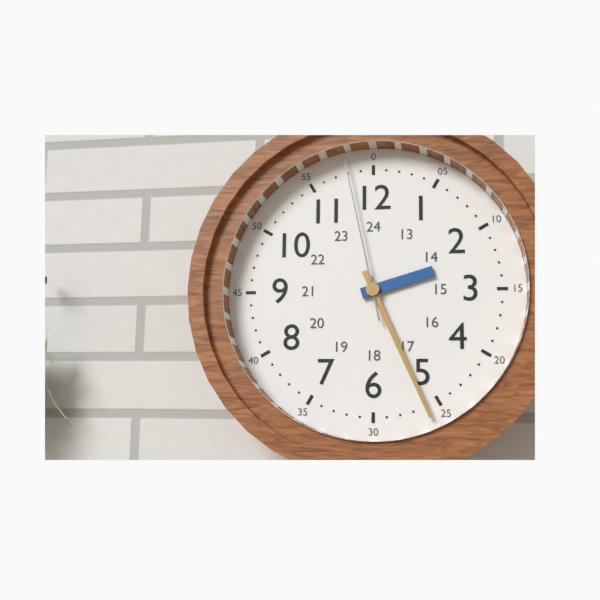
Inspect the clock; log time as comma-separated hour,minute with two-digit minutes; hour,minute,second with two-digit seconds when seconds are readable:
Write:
2,26,58
